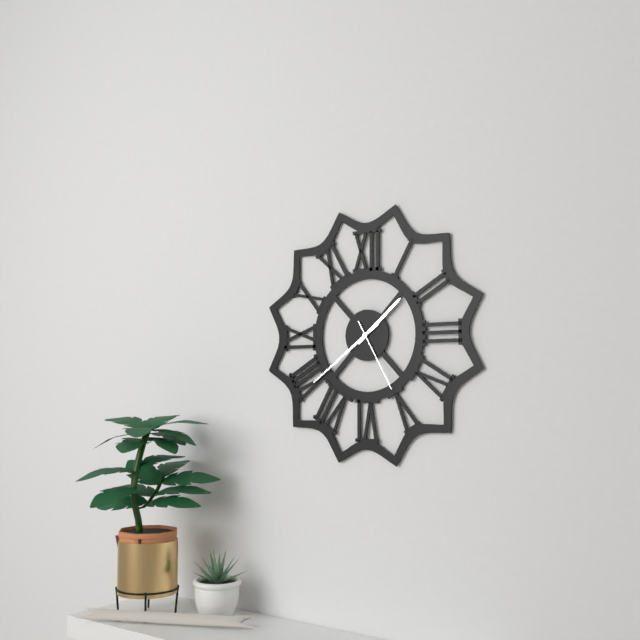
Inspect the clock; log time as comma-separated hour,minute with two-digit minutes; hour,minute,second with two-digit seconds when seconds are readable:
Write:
1,39,25
